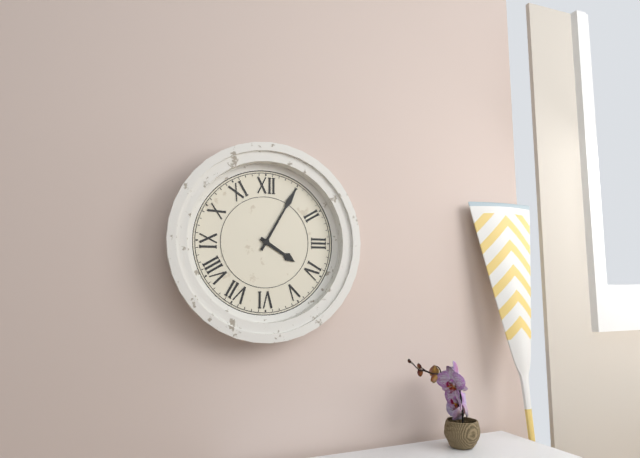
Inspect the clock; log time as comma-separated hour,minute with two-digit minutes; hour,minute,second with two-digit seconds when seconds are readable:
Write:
4,05
